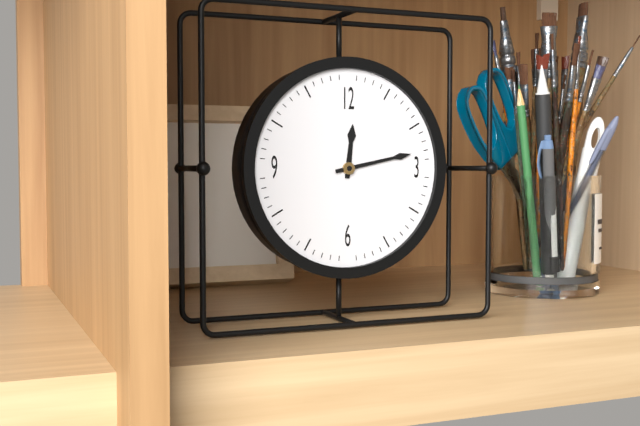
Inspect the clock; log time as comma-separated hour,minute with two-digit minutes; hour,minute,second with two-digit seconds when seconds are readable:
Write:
12,13
